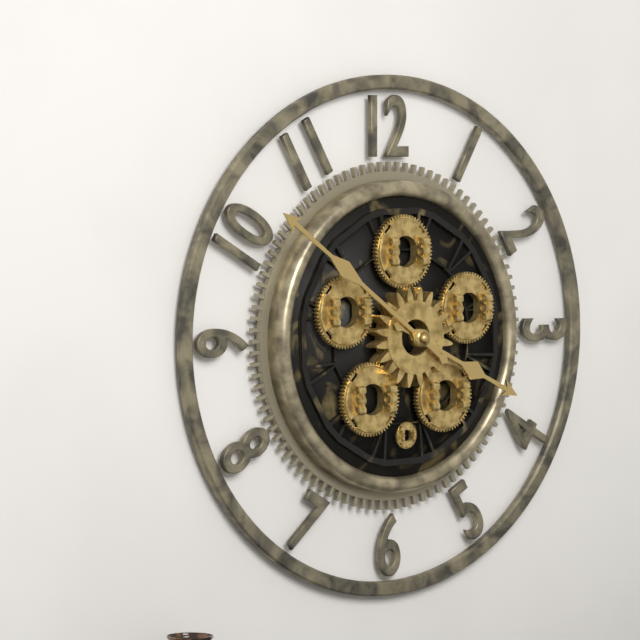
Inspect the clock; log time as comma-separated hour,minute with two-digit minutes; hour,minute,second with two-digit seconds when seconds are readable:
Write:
3,51
